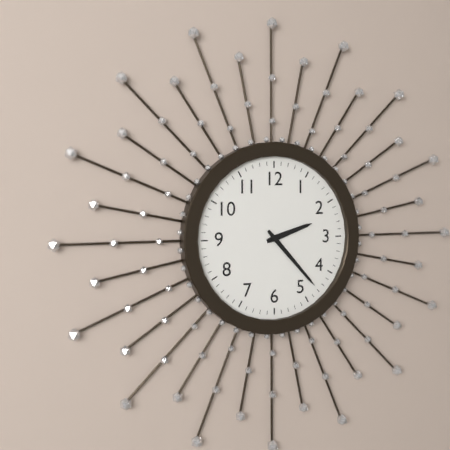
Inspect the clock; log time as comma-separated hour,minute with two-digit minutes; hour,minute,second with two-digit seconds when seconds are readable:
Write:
2,23
